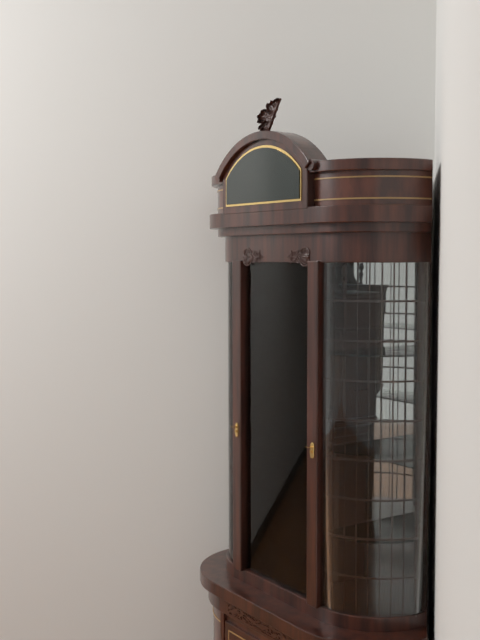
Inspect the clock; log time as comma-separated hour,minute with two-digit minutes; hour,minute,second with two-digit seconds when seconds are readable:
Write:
8,42
